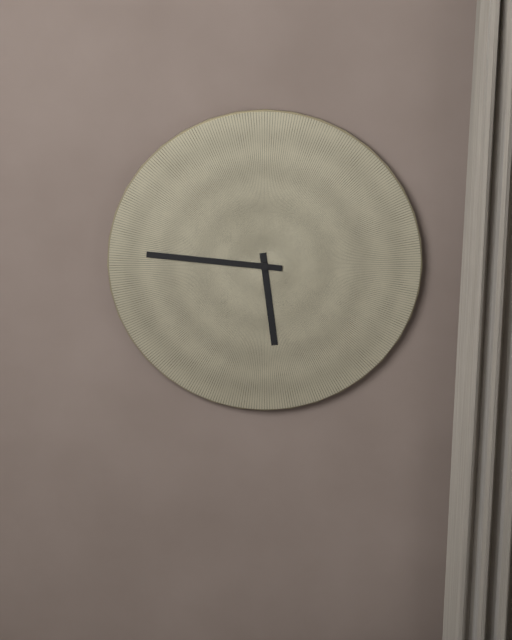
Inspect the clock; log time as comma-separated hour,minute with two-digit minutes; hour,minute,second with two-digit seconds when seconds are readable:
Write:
5,46
